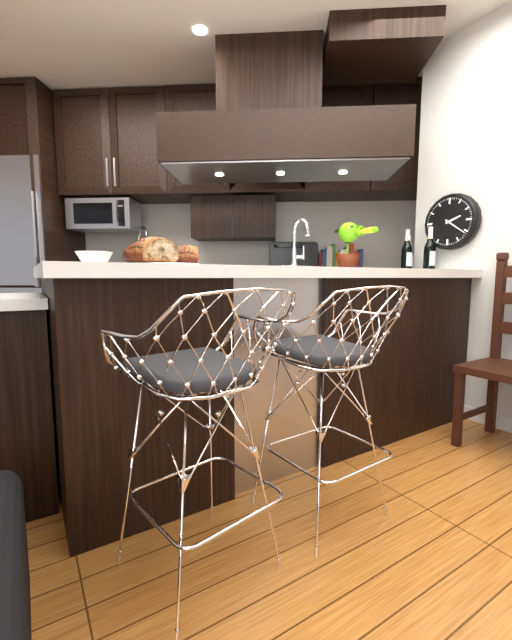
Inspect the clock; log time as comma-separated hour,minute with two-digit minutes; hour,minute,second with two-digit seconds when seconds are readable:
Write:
2,21
